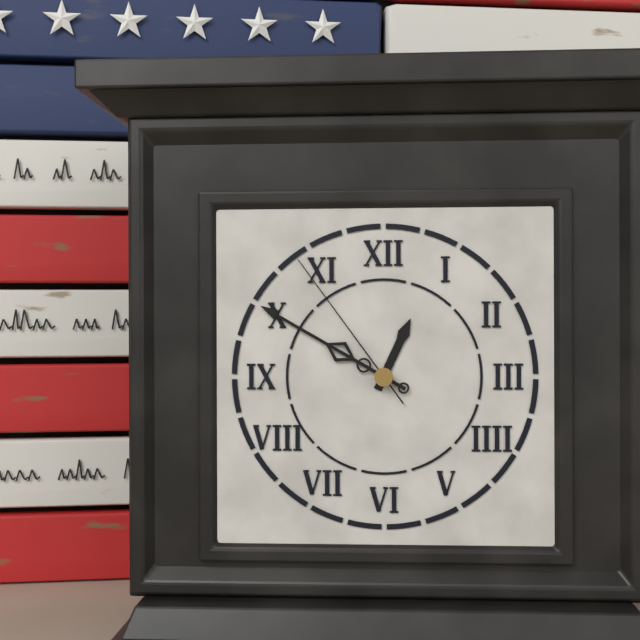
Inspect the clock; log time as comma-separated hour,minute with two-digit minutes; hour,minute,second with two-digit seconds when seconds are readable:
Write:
12,50,54
